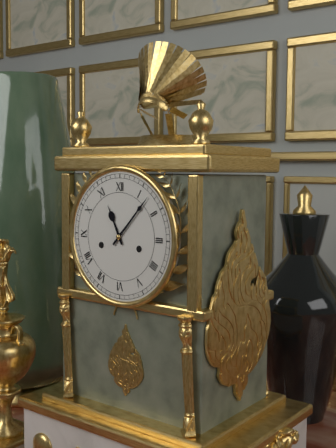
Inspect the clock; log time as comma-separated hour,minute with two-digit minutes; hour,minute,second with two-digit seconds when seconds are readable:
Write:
11,07
